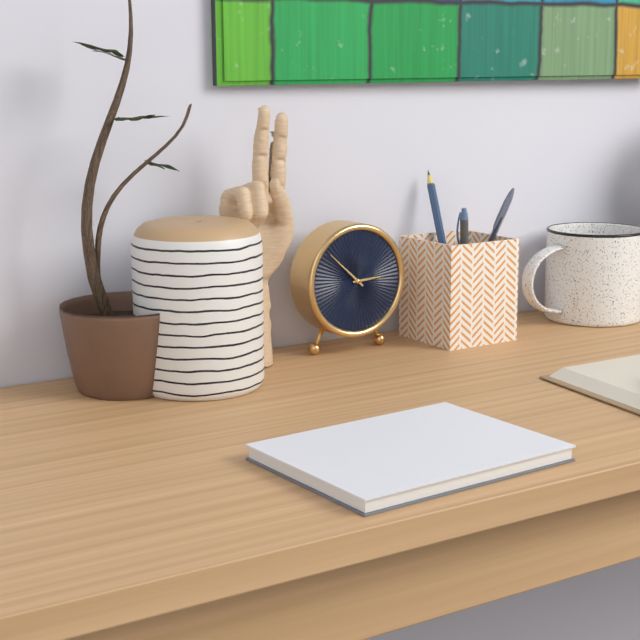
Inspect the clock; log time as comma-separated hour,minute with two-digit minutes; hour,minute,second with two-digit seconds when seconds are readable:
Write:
2,52
